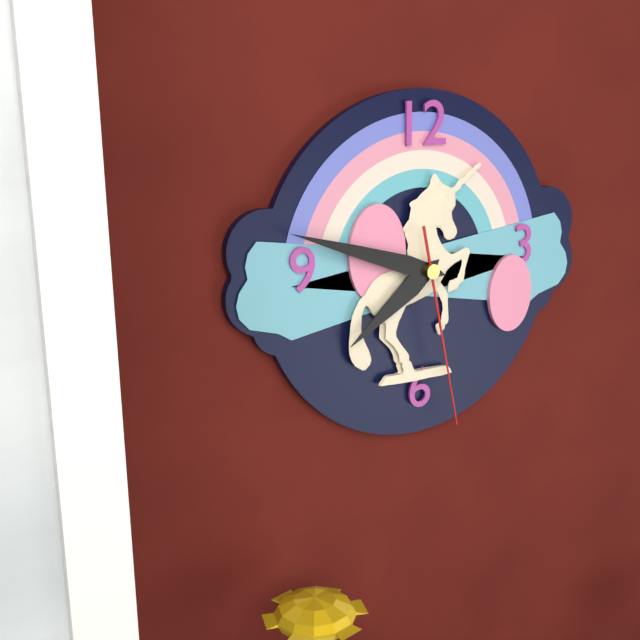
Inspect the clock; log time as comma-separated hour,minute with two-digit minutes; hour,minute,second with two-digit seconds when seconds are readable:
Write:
7,48,28
